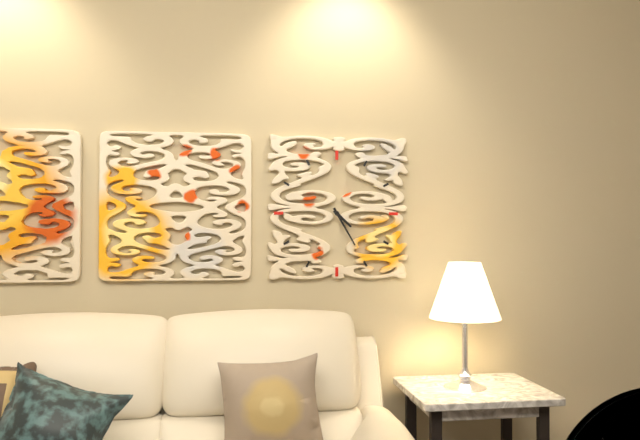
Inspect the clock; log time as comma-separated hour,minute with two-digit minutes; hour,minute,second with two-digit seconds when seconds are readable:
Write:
4,25
